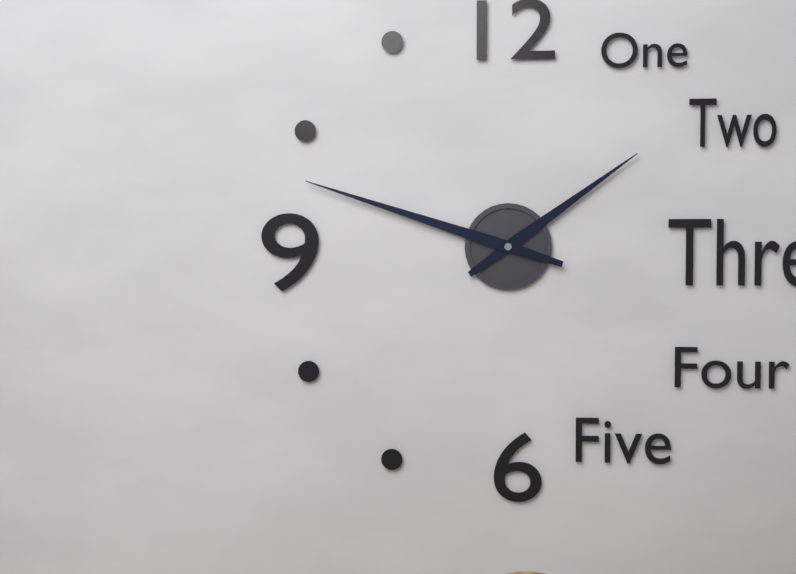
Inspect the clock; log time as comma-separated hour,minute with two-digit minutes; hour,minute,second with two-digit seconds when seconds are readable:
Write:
1,48
